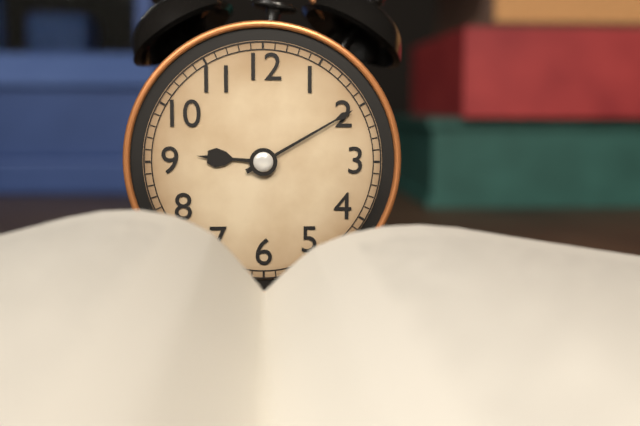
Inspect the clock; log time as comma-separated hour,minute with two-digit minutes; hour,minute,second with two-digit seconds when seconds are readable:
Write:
9,10
